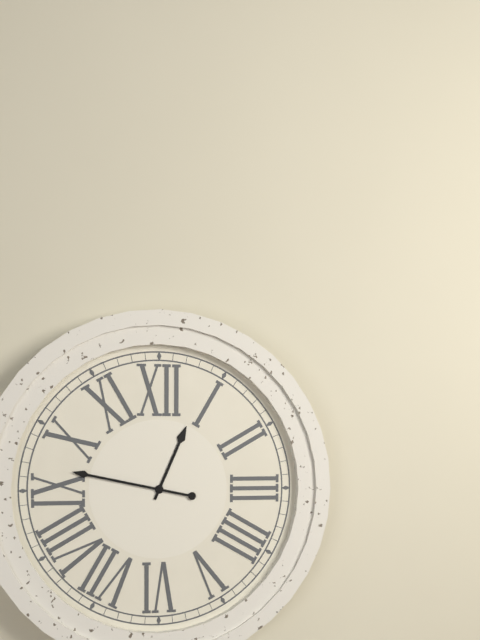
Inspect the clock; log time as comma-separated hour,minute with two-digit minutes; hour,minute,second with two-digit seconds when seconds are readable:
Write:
12,47
